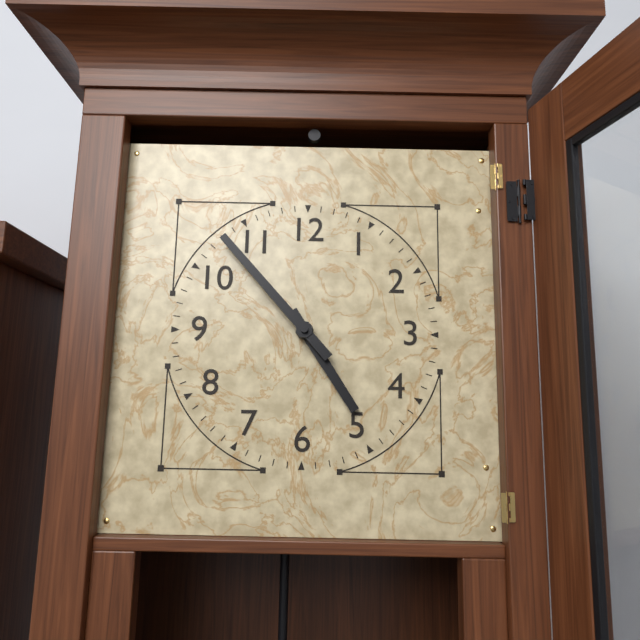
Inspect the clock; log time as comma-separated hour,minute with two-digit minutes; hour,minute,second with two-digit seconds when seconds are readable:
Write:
4,53
